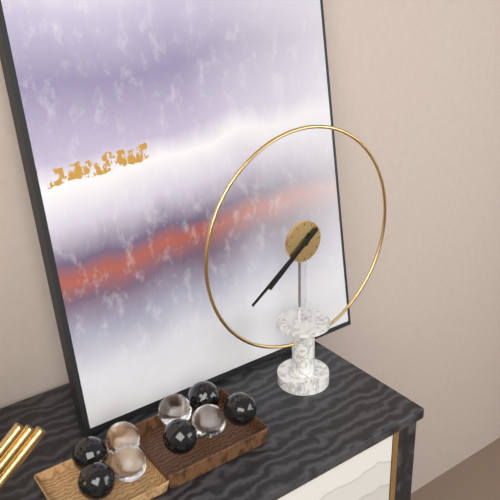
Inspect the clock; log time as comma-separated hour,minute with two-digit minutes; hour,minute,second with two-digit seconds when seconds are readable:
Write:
7,39
